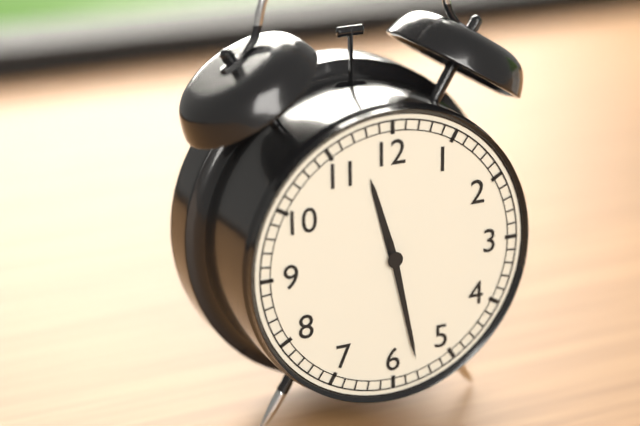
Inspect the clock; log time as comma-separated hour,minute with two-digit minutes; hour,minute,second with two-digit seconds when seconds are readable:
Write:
11,28
